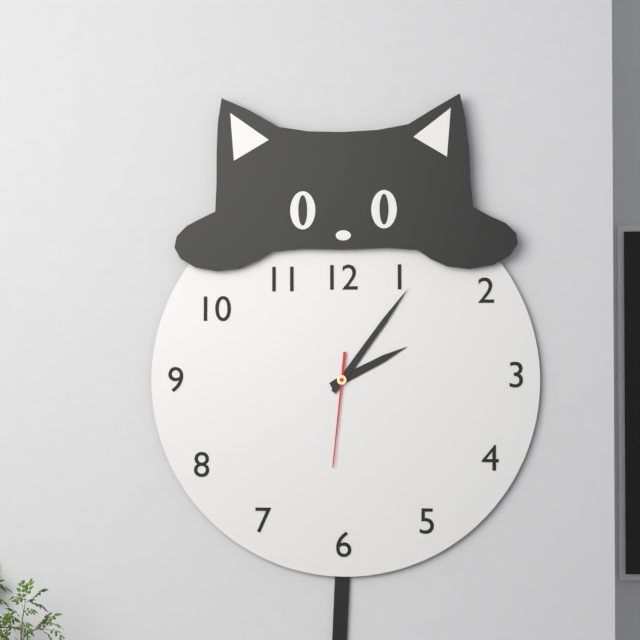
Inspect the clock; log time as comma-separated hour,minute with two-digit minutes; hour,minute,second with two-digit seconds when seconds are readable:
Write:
2,06,31
